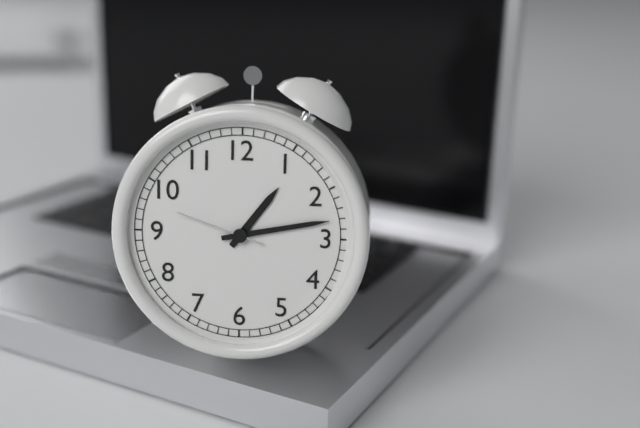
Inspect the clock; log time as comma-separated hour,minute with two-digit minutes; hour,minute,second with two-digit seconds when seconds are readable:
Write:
1,13,48
